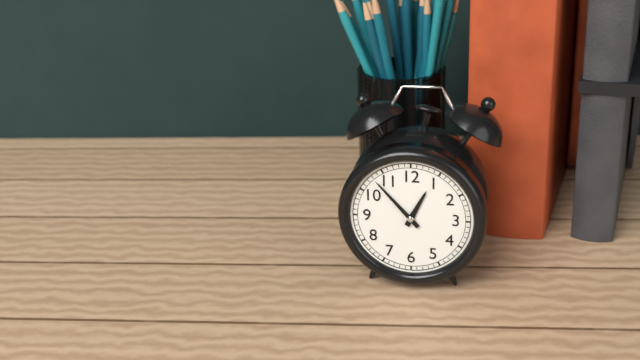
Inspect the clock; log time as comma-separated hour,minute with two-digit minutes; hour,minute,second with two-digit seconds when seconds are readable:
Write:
12,53
